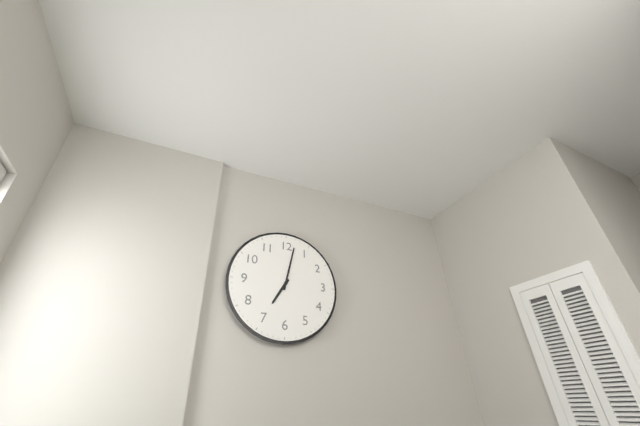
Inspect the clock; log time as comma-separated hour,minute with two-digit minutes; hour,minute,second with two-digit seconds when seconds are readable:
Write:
7,02
